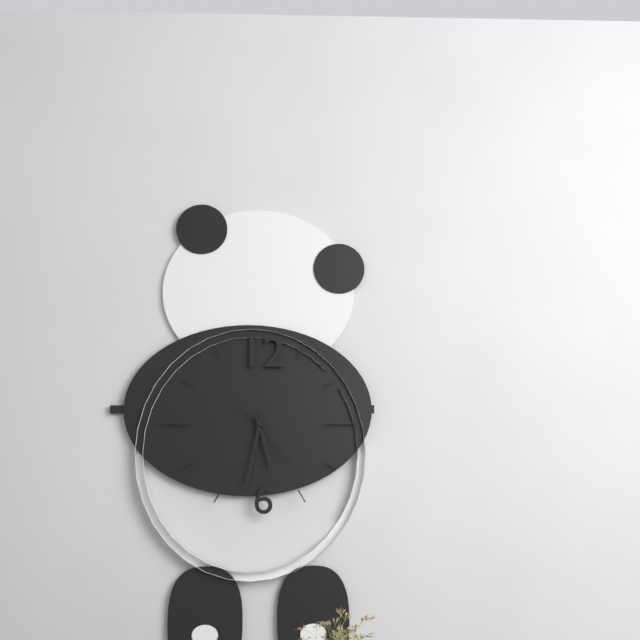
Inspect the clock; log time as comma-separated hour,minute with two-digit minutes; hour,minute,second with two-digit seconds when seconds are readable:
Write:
5,32,23
